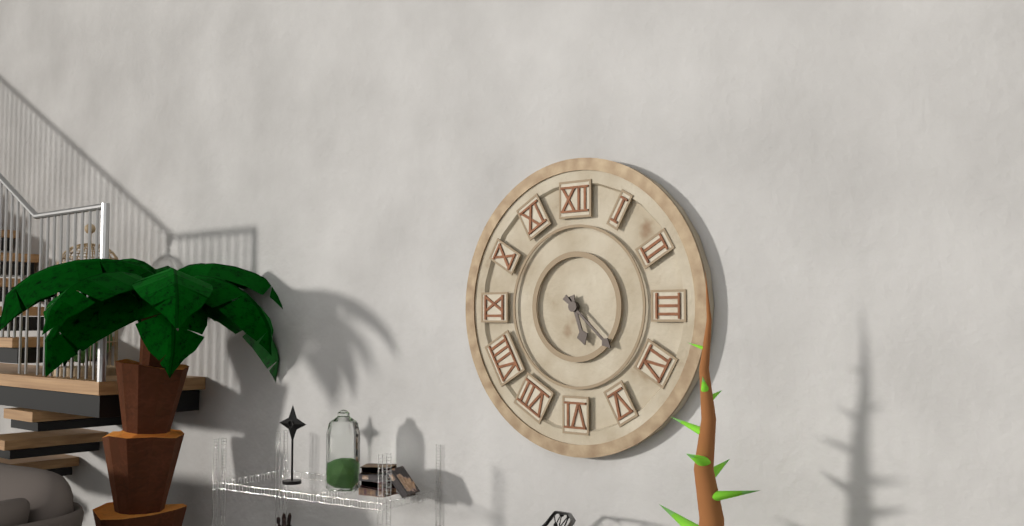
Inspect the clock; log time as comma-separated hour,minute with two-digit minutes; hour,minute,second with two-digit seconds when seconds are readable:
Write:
5,22
